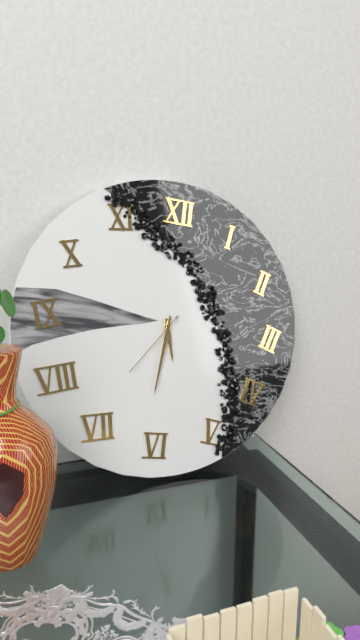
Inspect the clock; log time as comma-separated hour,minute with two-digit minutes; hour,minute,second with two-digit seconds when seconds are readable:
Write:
5,31,36
